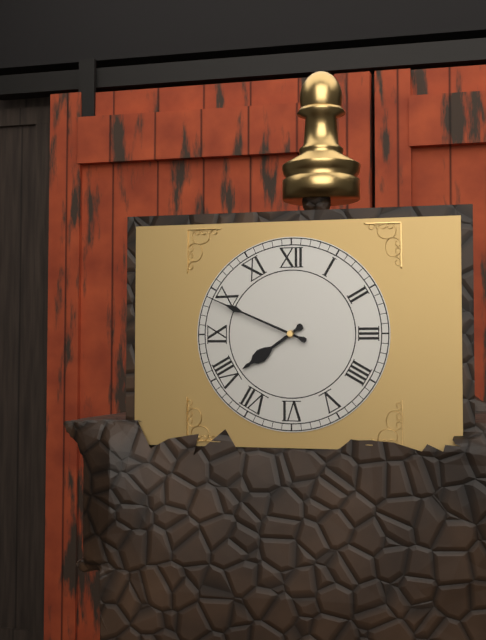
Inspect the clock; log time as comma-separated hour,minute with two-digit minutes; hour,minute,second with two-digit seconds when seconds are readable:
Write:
7,49
